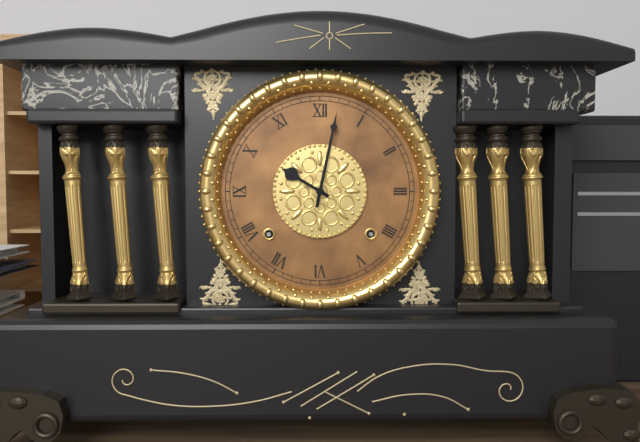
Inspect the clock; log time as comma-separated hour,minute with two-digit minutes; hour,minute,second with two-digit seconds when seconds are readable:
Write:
10,02
